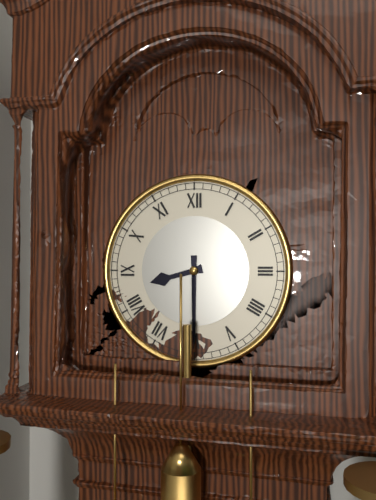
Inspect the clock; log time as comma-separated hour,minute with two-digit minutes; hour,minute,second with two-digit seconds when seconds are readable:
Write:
8,30
